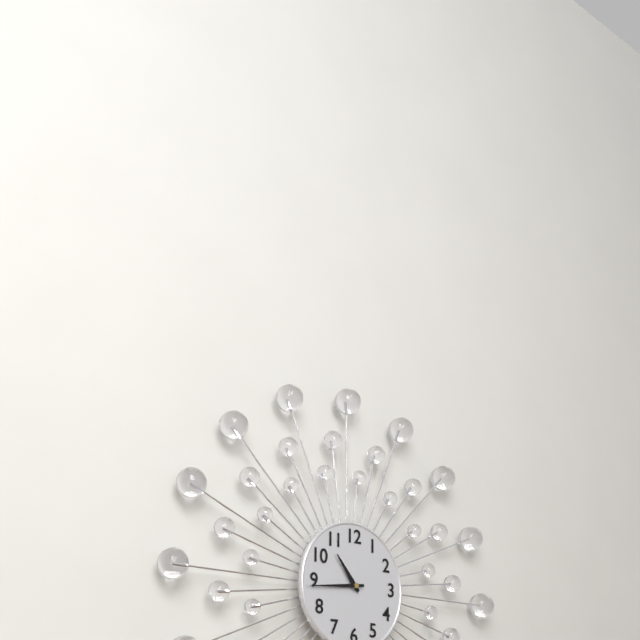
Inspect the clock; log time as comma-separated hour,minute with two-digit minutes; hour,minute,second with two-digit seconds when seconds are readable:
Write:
10,44
